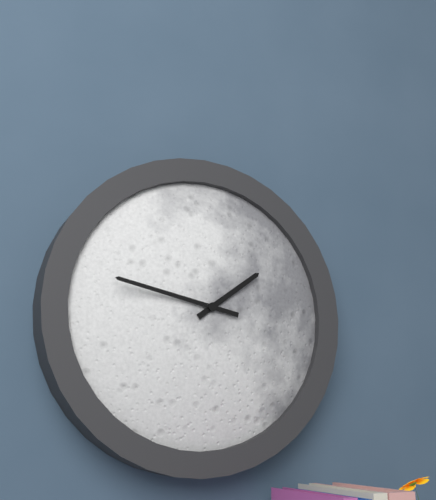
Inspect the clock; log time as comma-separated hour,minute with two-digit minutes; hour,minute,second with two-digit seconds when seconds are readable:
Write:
1,47
